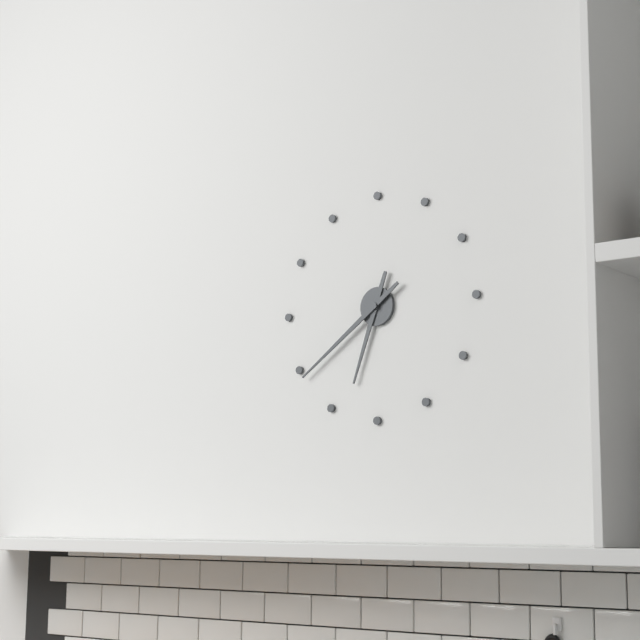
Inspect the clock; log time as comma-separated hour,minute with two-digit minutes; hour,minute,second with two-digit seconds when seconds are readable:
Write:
6,39
